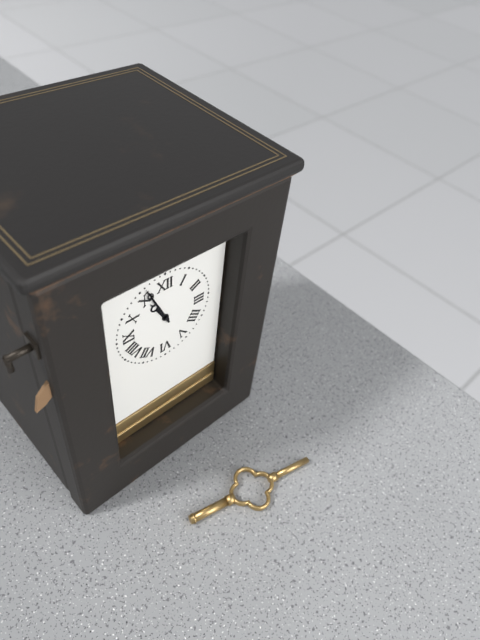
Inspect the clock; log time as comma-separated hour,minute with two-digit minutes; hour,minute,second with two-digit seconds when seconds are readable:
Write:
10,56
